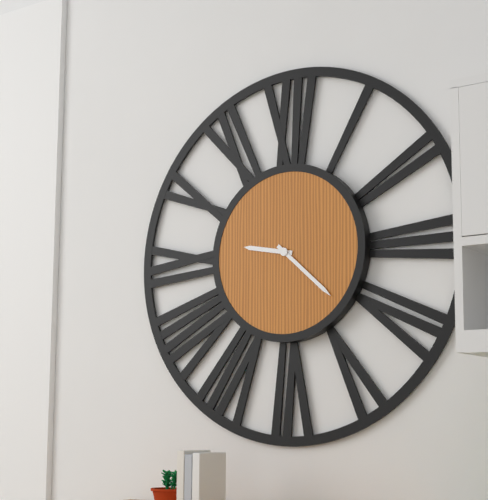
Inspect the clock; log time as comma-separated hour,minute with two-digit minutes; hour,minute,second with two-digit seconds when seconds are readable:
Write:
9,22
